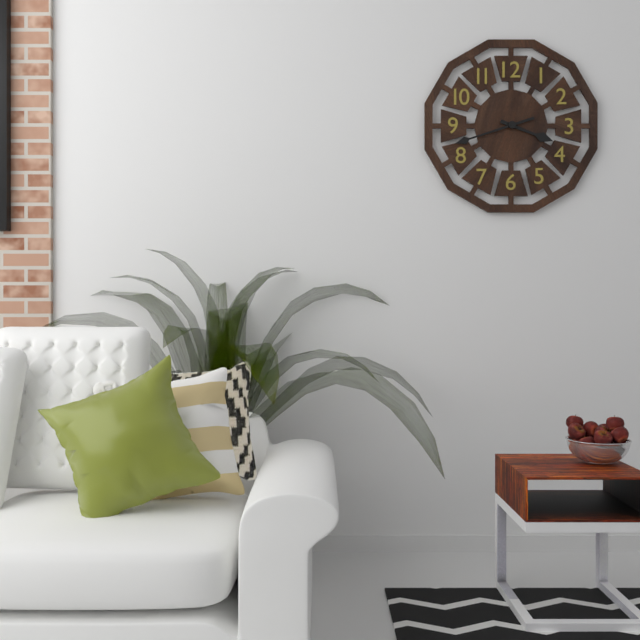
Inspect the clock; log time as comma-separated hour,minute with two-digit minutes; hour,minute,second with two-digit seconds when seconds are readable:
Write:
3,42
